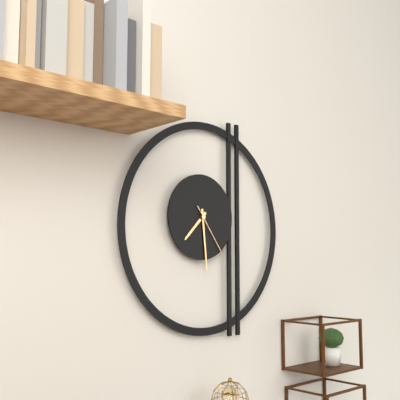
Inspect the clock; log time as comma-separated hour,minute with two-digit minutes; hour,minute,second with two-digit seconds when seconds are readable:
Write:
7,29,24
